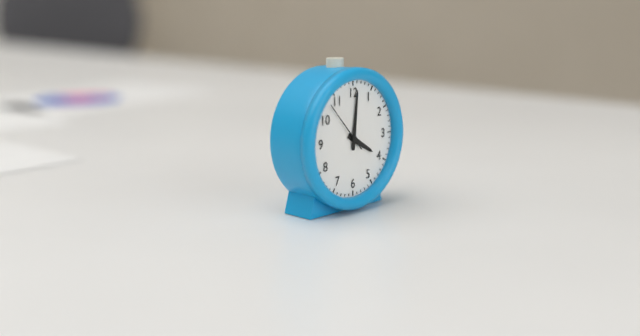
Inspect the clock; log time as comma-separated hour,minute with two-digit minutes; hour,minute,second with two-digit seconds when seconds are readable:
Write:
4,01,53
